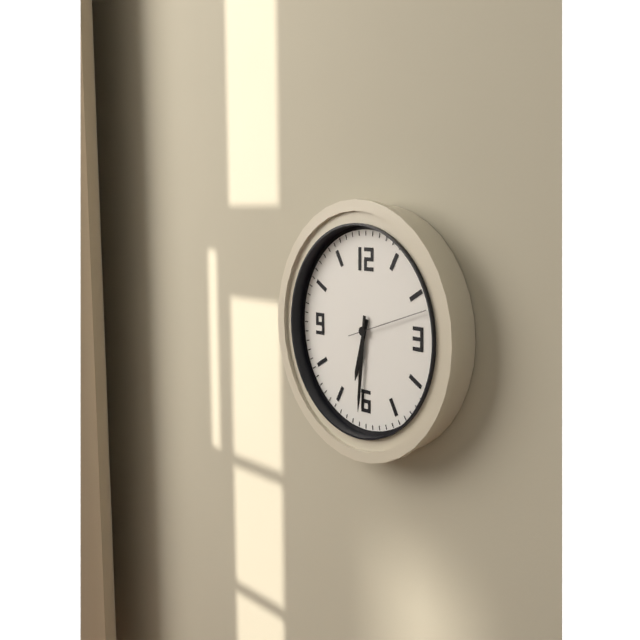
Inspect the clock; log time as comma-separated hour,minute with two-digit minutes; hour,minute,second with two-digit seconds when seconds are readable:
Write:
6,31,12
